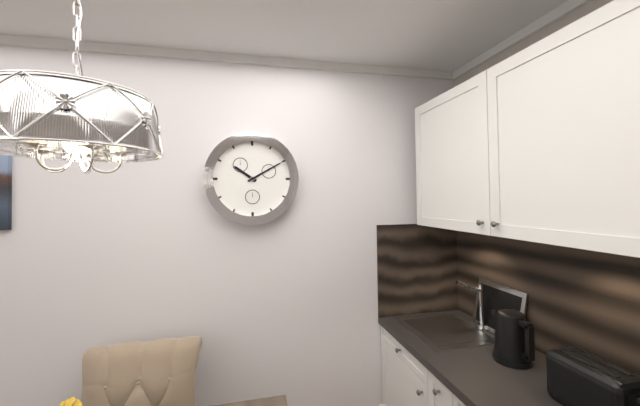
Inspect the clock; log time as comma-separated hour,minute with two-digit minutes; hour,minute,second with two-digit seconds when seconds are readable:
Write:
10,10
